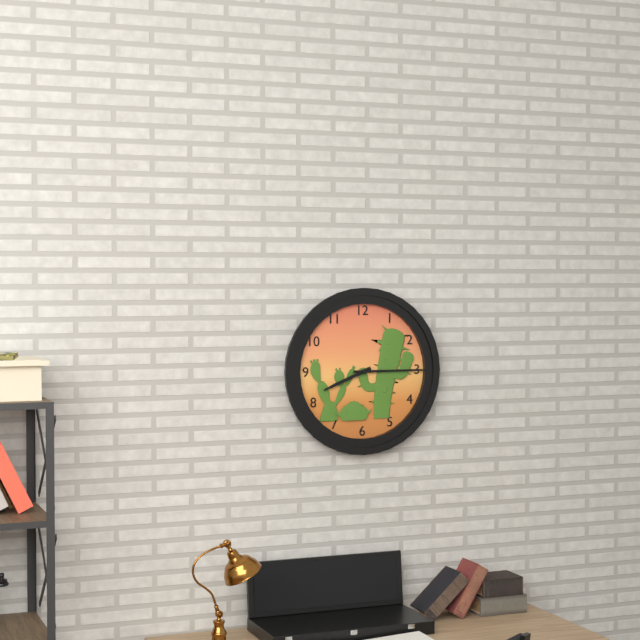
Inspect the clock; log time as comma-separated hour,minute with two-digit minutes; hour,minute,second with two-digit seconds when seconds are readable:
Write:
8,15
